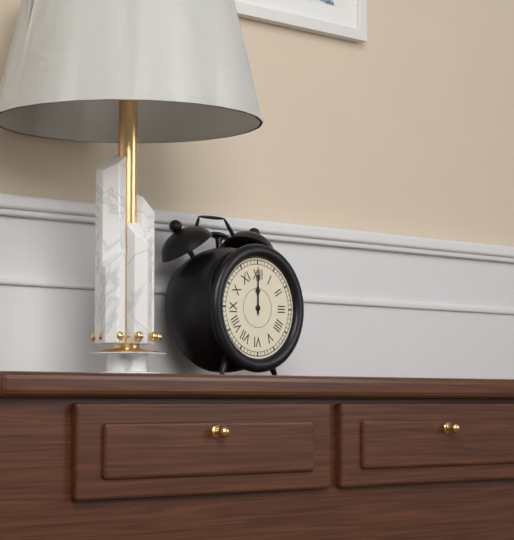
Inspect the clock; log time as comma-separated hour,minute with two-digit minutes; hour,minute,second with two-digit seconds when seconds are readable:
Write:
12,00
